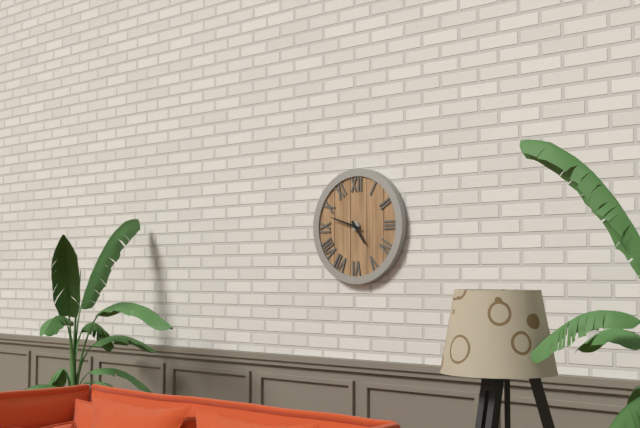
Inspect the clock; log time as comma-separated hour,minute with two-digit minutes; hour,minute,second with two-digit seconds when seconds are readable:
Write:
4,48
